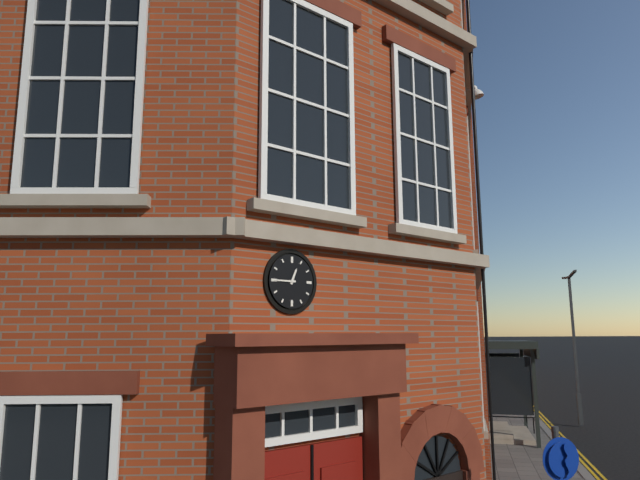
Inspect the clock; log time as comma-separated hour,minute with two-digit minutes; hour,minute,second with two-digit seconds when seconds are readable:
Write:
12,45
